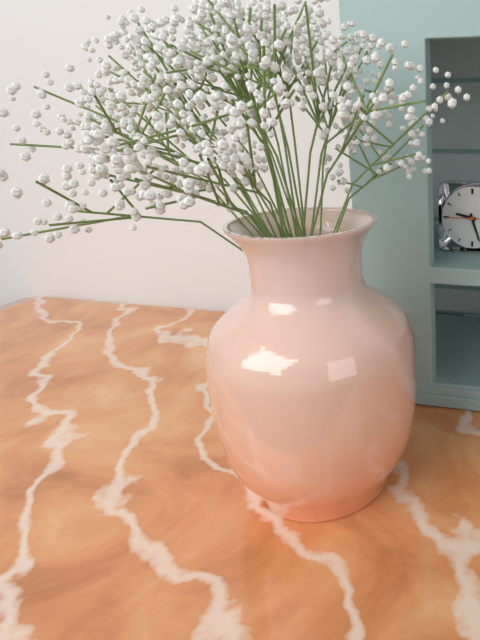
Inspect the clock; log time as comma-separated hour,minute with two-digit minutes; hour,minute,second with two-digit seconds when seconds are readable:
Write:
9,27
